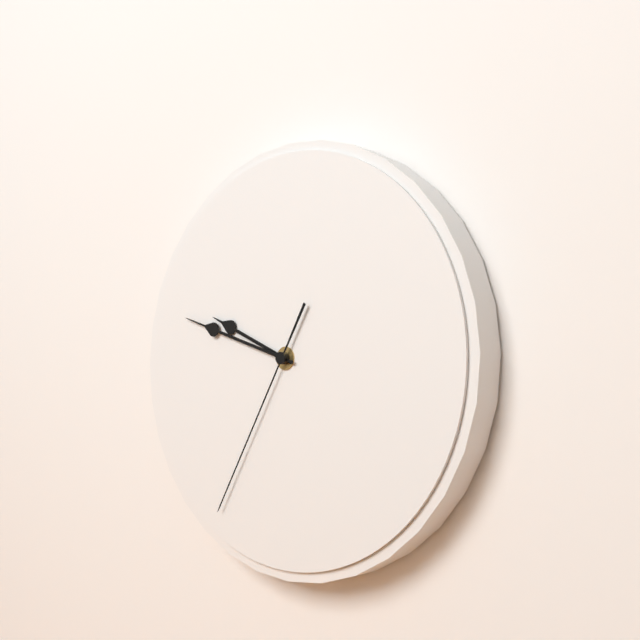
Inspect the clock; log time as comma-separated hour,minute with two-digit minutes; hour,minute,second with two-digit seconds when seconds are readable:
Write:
9,48,35
